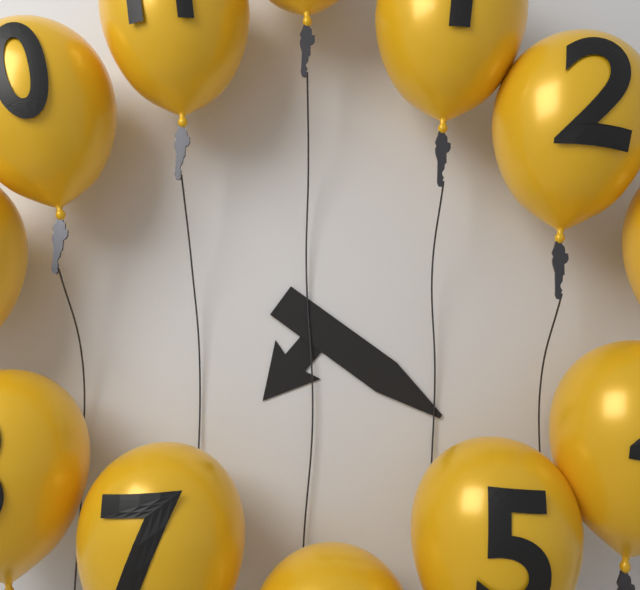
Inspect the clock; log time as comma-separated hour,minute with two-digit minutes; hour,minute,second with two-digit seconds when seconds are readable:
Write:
7,21
